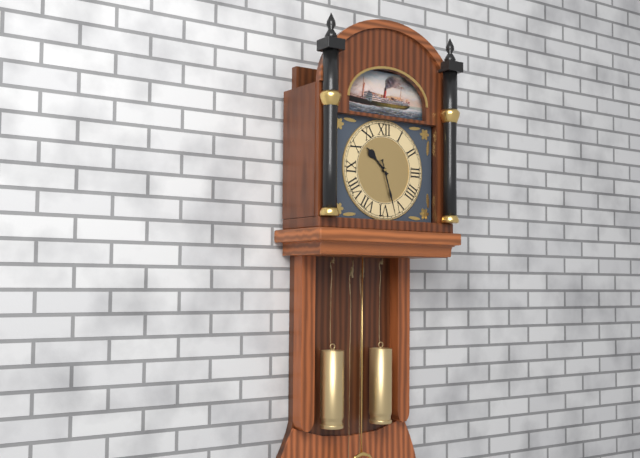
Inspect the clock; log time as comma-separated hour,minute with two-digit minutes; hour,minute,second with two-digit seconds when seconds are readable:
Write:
10,27
